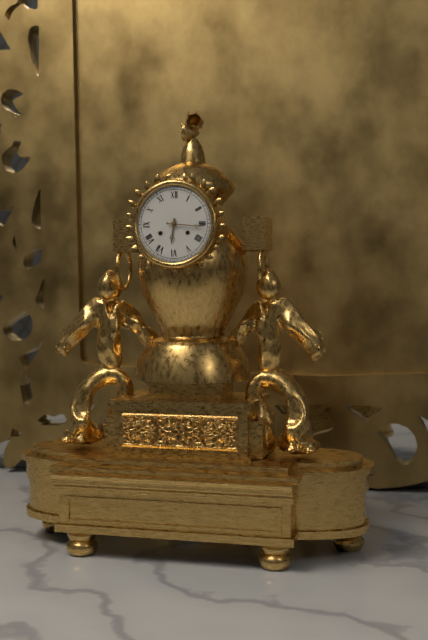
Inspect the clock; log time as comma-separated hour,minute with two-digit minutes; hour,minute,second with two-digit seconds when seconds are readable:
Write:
6,16
